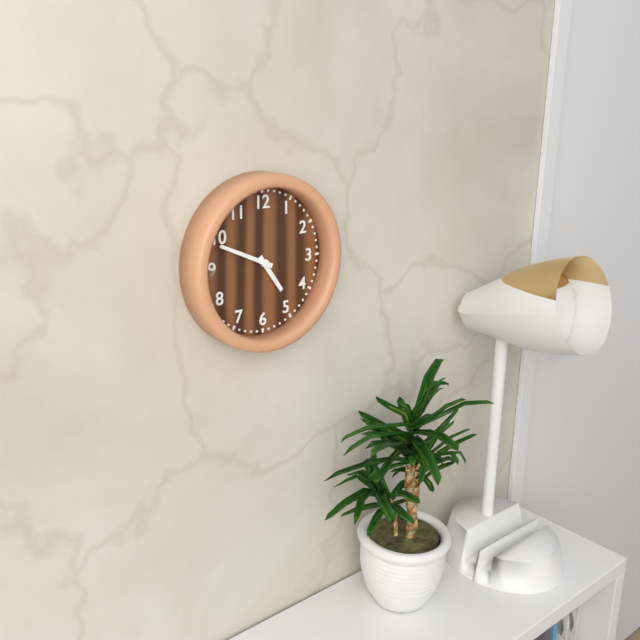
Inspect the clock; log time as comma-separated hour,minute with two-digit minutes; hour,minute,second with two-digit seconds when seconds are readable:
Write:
4,49
